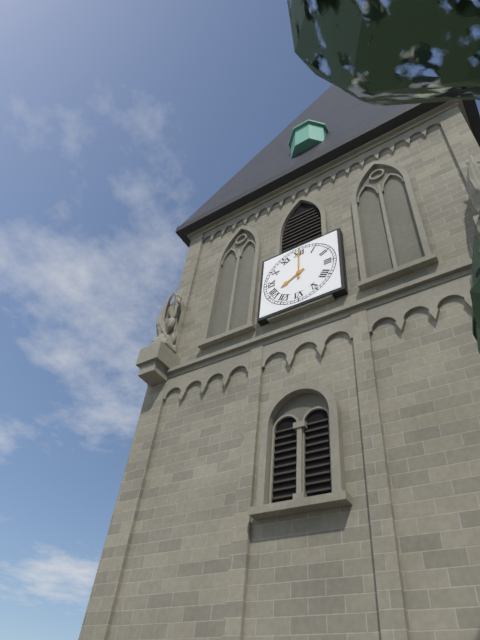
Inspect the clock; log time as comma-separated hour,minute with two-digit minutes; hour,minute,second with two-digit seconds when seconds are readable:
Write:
8,00
